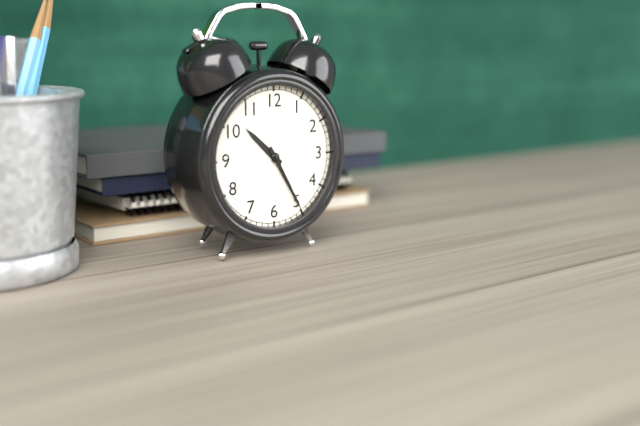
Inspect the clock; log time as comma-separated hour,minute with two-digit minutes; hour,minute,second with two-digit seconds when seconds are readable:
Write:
10,25
